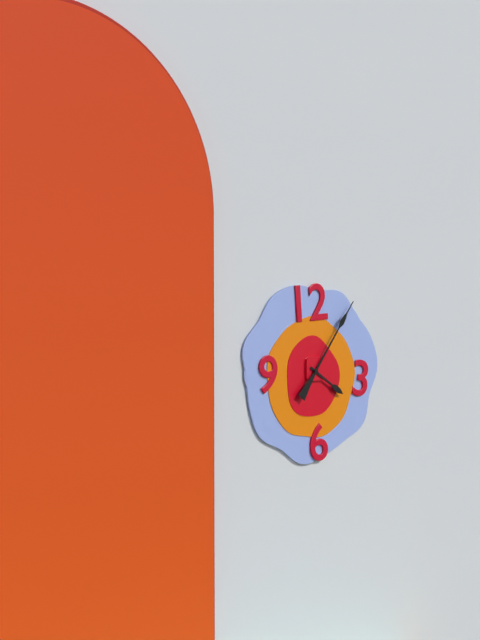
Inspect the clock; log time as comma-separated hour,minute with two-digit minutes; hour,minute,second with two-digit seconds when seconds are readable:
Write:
4,06
